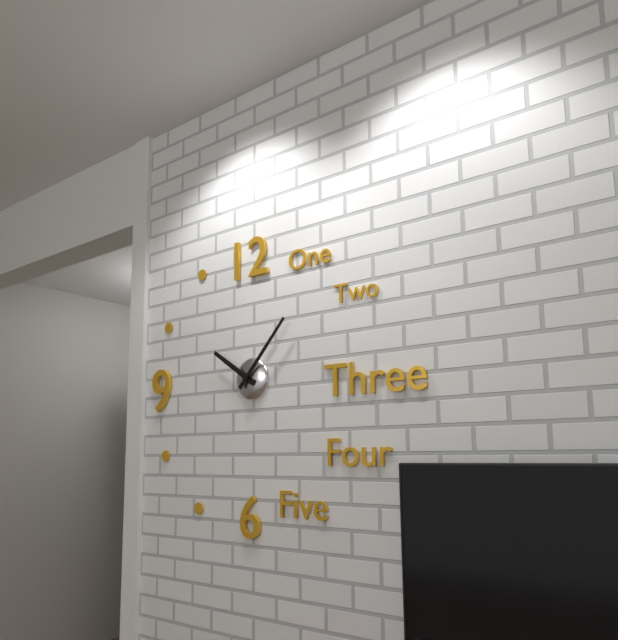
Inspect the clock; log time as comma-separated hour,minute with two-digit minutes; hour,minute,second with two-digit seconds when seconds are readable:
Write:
10,07
